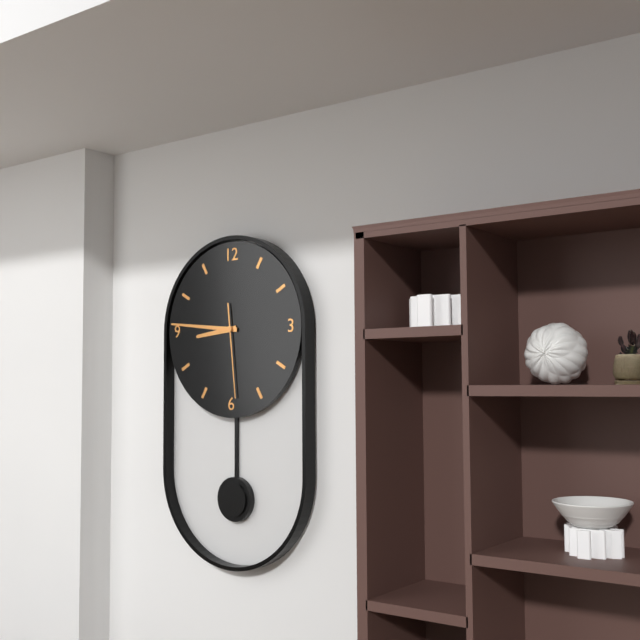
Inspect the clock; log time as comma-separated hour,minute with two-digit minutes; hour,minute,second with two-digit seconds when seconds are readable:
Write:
8,46,29
